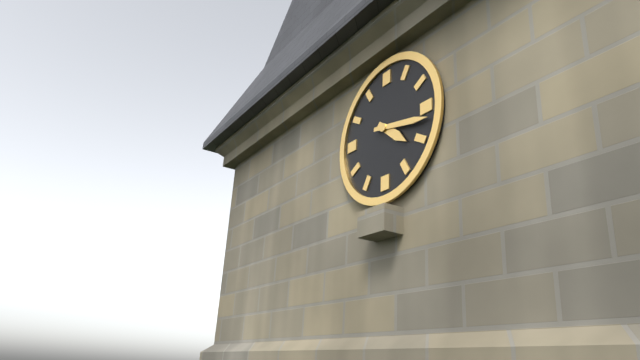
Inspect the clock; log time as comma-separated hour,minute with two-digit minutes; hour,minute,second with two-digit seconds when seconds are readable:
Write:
4,17
